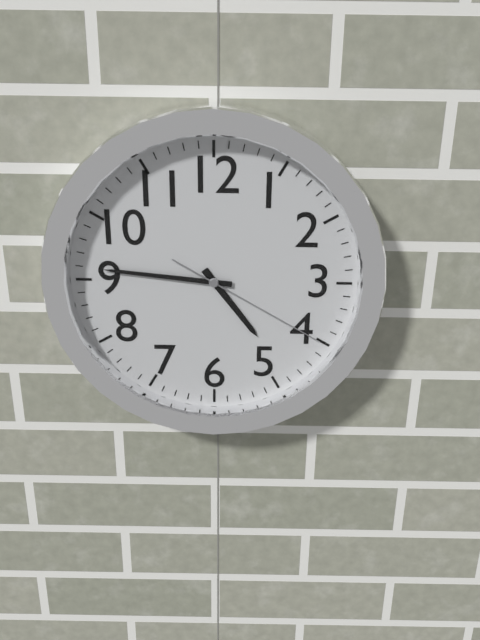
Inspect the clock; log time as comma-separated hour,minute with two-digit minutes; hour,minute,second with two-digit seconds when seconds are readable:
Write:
4,46,20
